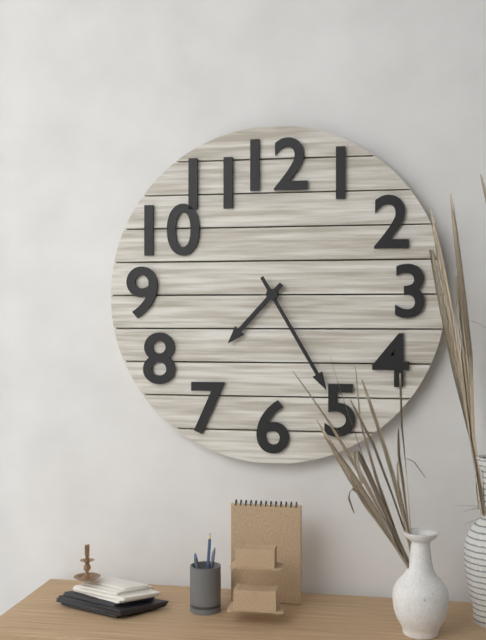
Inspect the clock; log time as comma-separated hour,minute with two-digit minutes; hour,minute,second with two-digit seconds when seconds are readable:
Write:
7,25
